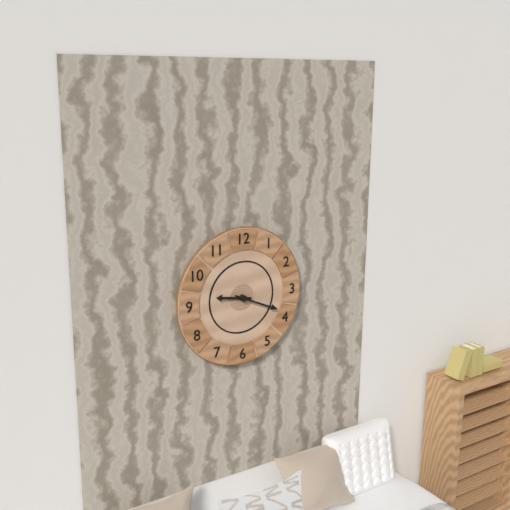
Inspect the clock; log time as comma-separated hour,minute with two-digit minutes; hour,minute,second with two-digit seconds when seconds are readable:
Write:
9,19
